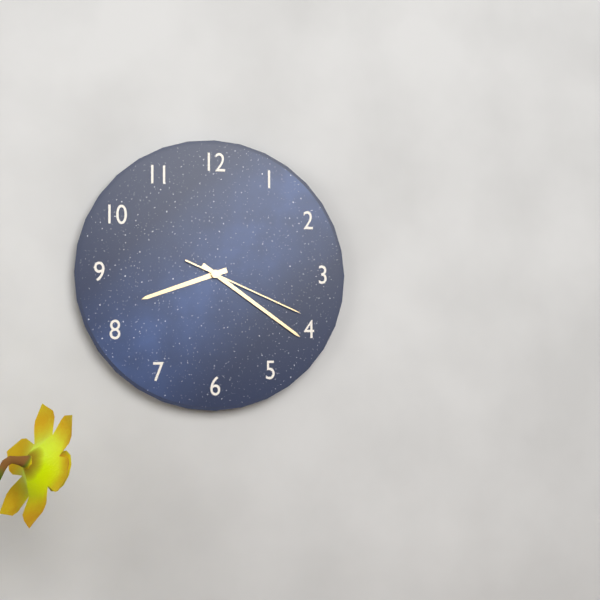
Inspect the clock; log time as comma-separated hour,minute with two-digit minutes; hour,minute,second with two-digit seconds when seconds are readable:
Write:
8,21,19
